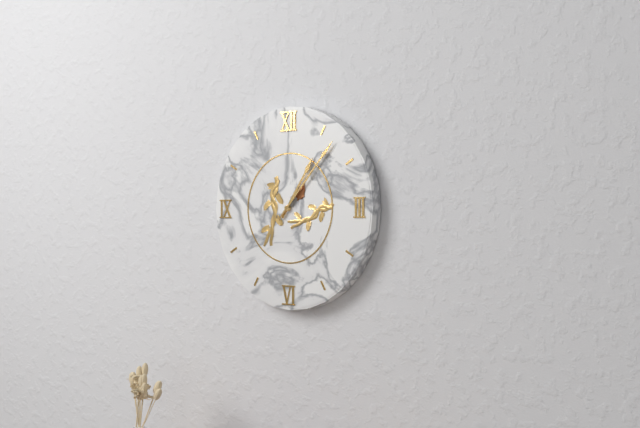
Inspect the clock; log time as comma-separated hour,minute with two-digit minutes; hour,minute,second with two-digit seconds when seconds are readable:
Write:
1,07
